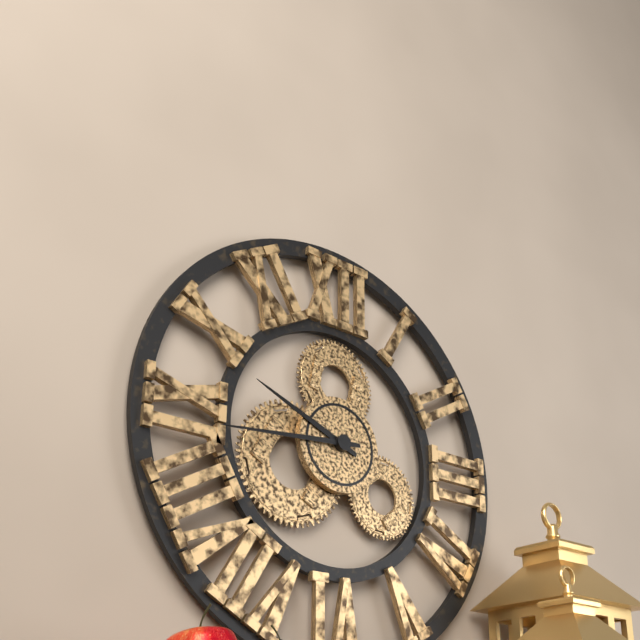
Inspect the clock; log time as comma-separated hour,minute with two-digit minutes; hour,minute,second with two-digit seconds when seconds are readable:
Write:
9,44
